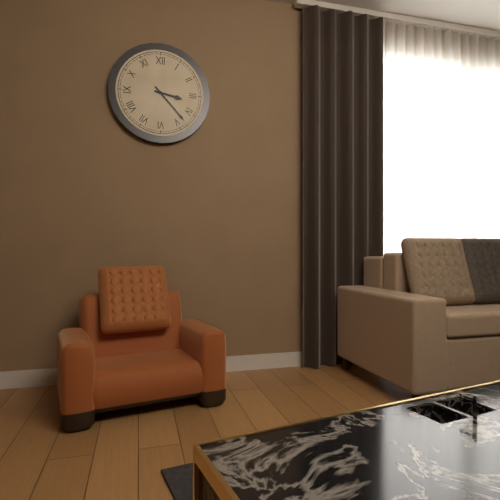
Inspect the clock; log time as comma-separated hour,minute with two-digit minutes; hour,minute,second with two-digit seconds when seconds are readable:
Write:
3,23
